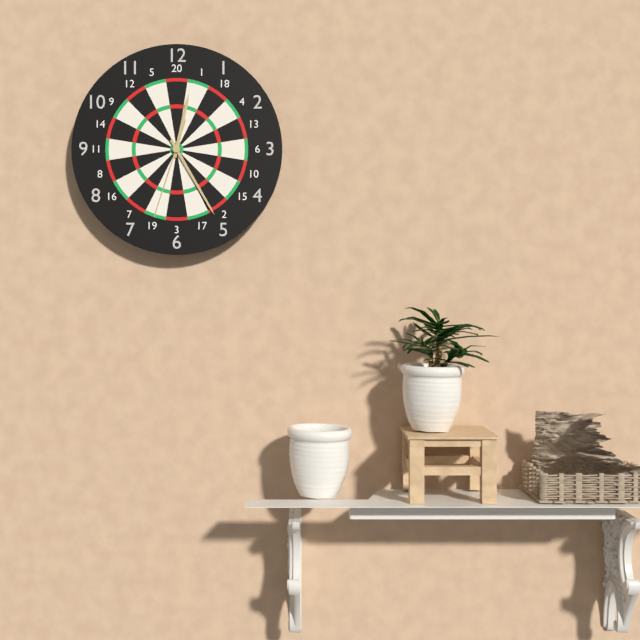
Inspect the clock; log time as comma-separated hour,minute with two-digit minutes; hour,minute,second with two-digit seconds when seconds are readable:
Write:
12,25,33
